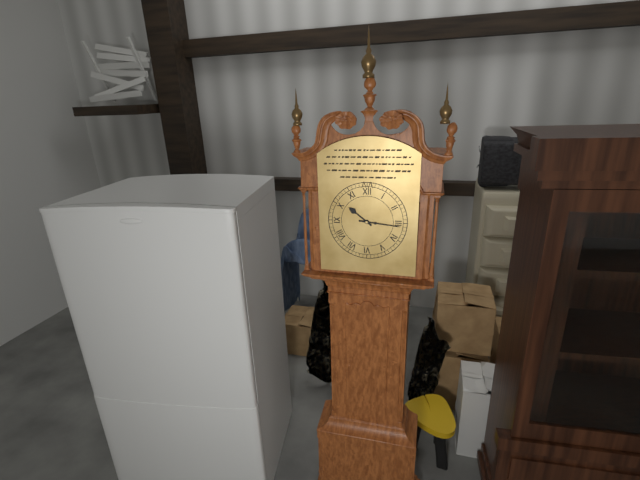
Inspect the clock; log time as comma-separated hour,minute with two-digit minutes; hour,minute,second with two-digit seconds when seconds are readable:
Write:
10,16
